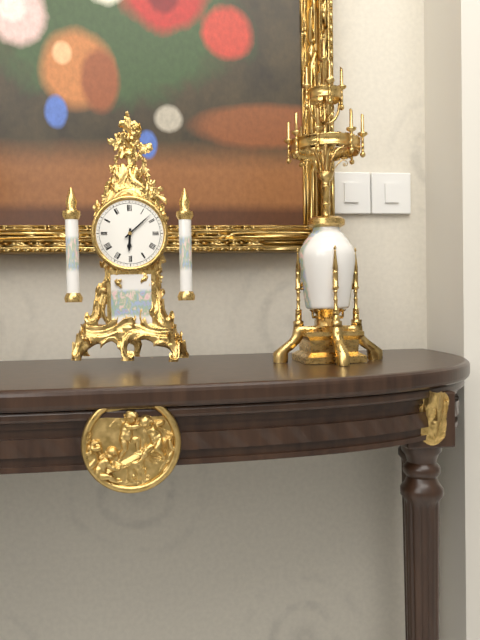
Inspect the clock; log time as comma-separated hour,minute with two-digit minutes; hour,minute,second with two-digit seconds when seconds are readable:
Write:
6,08
